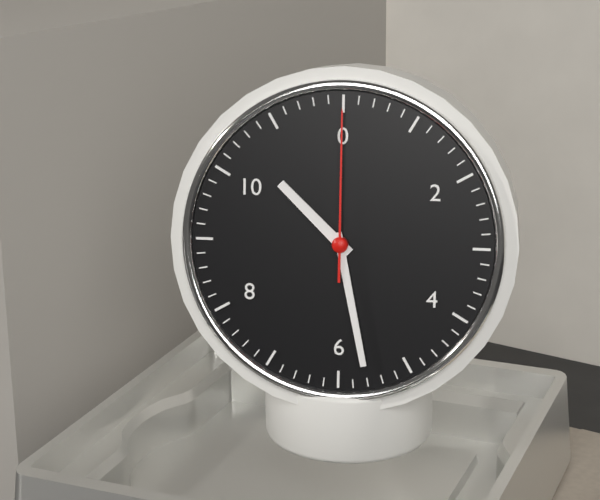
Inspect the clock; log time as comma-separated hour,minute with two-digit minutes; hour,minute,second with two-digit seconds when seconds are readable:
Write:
10,28,00
